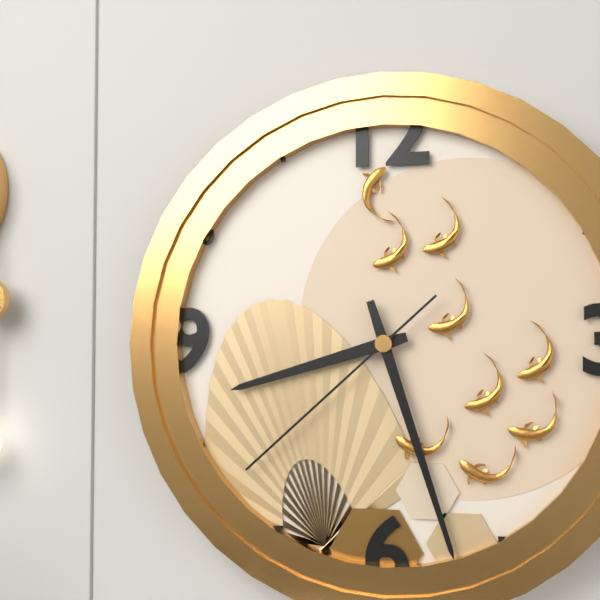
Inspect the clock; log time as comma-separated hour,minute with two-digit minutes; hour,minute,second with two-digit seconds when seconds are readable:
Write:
8,27,38
